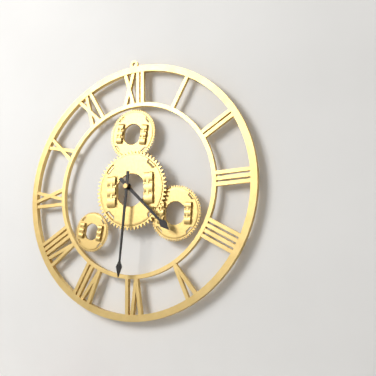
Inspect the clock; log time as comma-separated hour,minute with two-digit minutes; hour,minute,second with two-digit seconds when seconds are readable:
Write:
4,31
